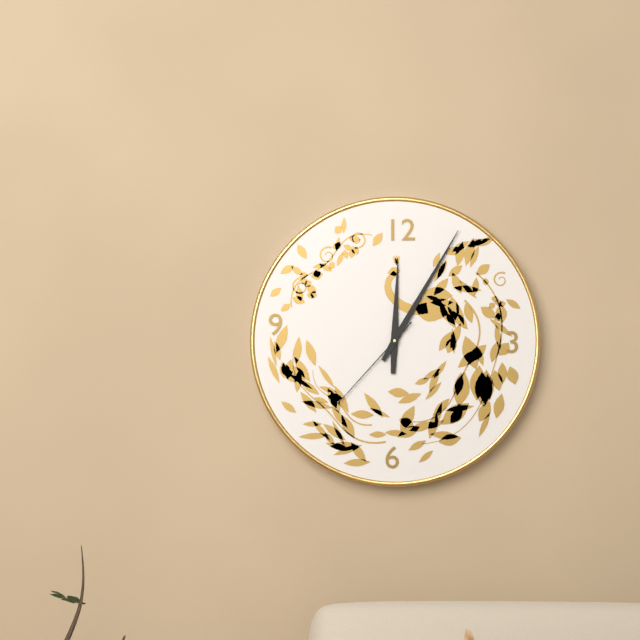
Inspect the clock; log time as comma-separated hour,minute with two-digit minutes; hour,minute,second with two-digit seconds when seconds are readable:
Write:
12,05,37
